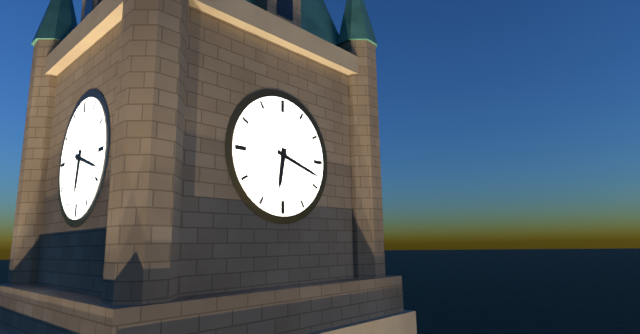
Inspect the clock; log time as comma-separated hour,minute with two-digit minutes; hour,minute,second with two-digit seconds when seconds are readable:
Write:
6,18
